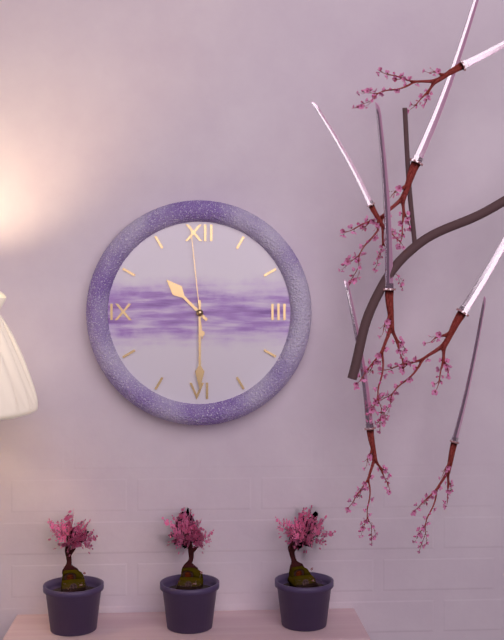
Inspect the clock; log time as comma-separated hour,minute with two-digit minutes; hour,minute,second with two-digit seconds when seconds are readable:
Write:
10,30,59
